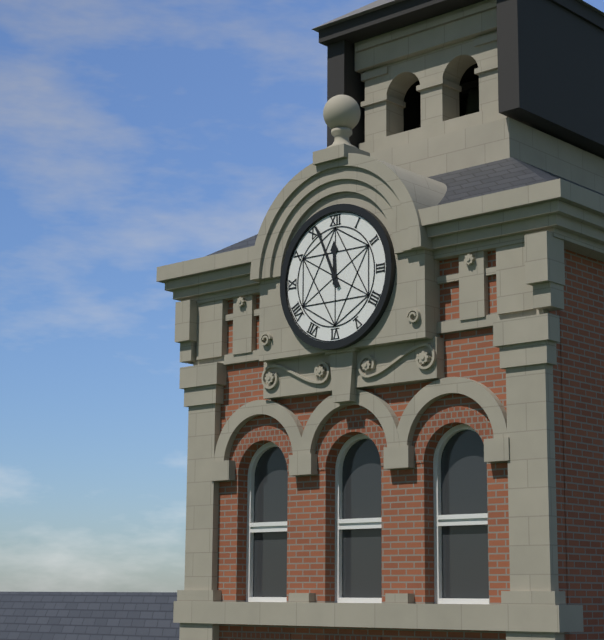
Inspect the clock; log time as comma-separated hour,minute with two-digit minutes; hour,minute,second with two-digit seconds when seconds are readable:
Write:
11,56
